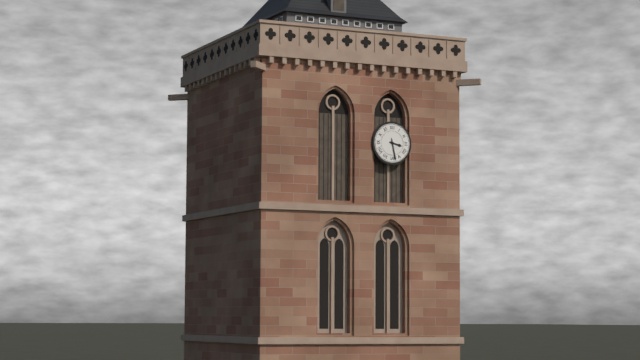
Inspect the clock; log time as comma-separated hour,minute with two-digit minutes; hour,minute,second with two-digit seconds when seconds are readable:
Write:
3,28
